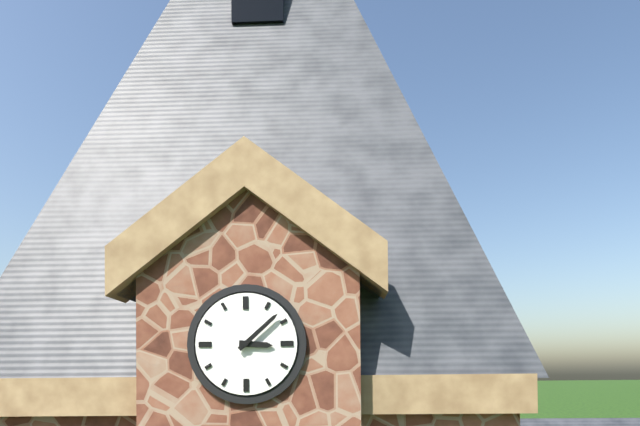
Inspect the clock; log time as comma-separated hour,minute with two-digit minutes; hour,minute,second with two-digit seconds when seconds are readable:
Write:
3,08
